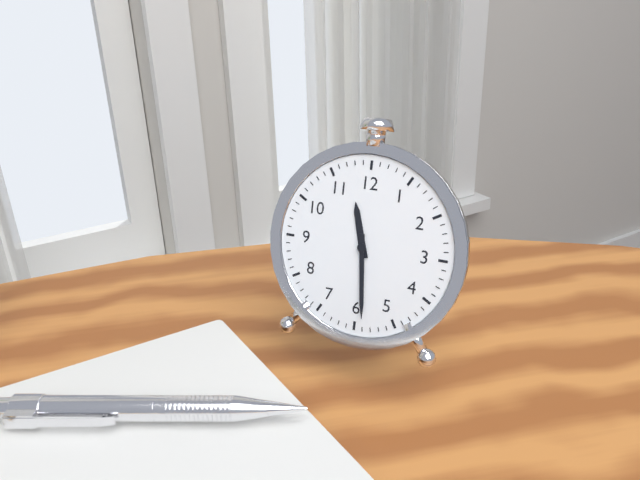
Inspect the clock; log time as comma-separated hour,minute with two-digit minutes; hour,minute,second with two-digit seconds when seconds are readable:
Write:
11,29
